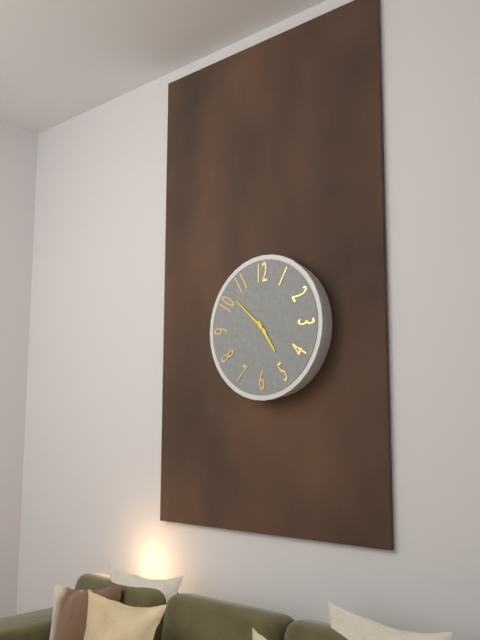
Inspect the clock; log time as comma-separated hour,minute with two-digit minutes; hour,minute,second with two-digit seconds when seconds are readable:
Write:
4,52
